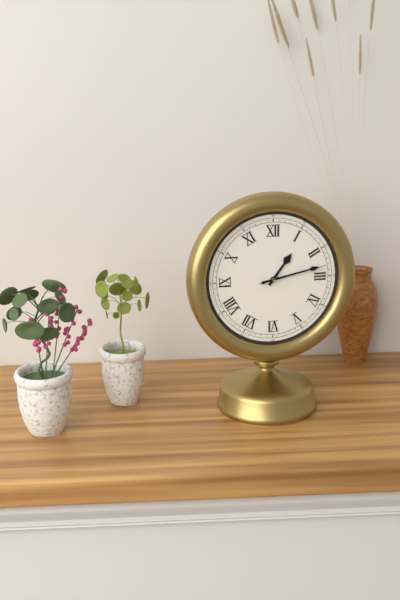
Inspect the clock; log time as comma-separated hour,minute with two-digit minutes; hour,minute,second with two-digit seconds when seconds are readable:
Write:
1,13,13
